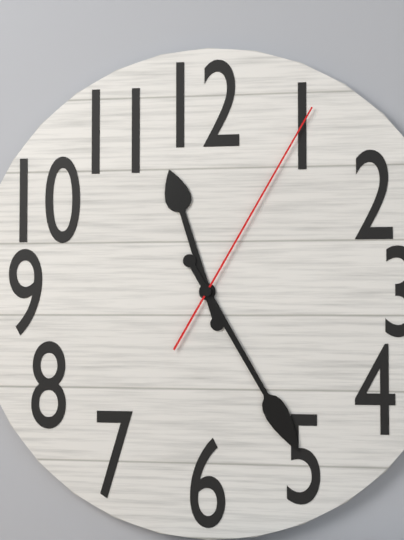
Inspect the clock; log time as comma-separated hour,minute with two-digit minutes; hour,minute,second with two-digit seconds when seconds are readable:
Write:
11,25,05
